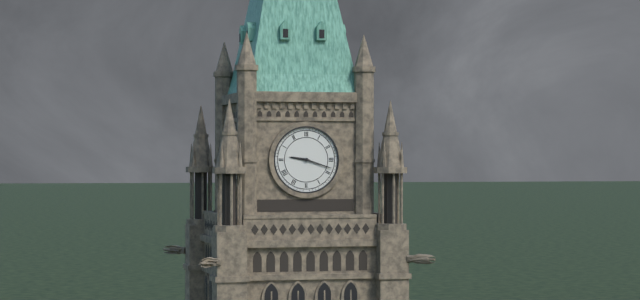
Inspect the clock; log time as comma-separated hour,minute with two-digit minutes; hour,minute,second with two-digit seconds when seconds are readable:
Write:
9,18
